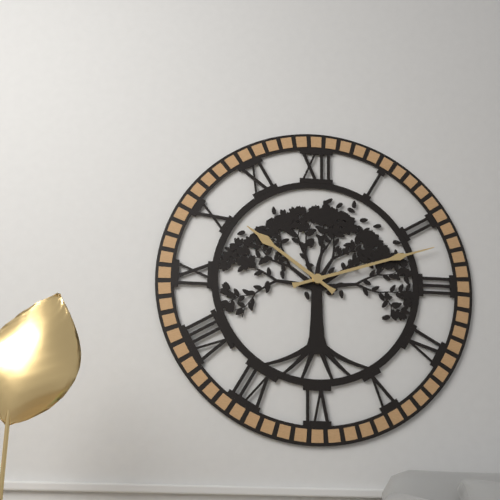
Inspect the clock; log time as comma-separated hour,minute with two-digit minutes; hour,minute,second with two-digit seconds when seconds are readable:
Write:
10,12
